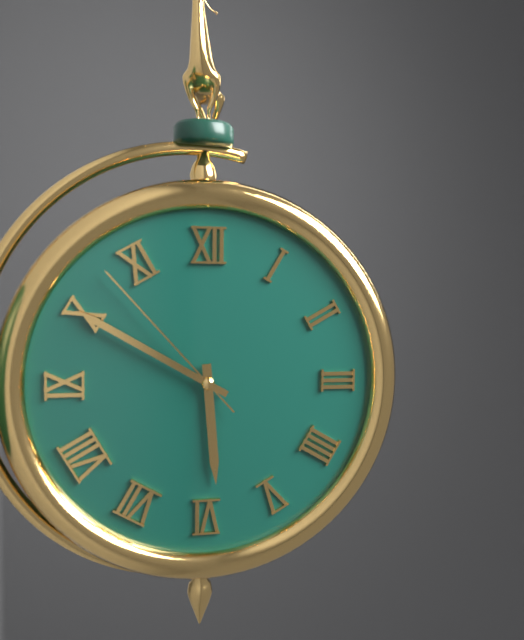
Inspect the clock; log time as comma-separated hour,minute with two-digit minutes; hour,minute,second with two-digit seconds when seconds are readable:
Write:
5,50,53
